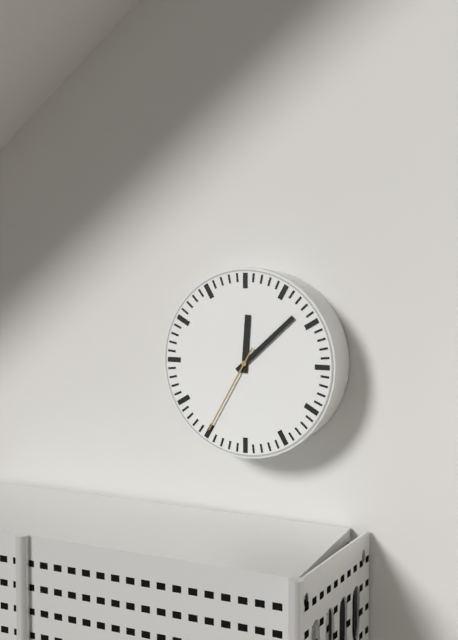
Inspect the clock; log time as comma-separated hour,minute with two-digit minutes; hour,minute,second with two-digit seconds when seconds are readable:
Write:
12,08,35
